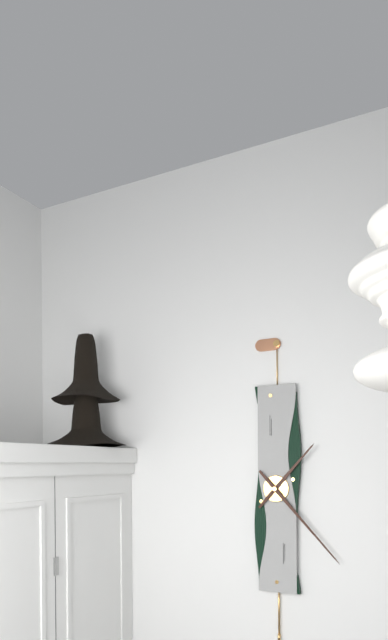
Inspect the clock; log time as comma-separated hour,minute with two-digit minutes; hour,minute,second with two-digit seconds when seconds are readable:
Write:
1,23
